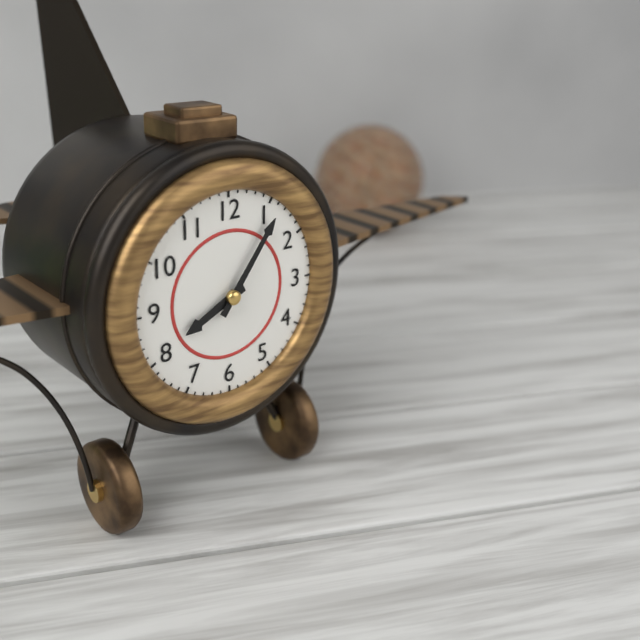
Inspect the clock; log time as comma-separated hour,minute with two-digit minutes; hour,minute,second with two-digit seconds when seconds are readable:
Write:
8,06
